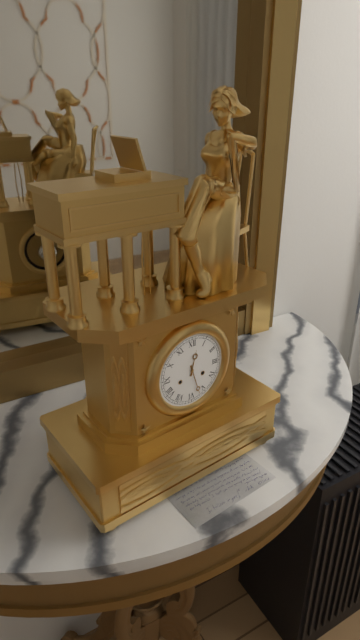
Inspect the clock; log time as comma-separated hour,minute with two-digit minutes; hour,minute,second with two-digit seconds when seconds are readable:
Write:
12,27
